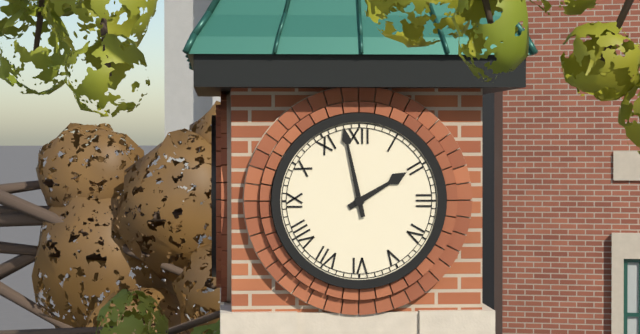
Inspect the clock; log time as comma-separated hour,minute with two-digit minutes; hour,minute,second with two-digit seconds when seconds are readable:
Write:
1,58
